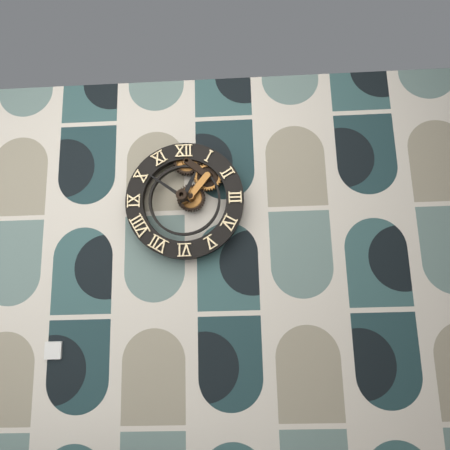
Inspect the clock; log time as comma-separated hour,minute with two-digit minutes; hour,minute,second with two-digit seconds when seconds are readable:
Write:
12,51
